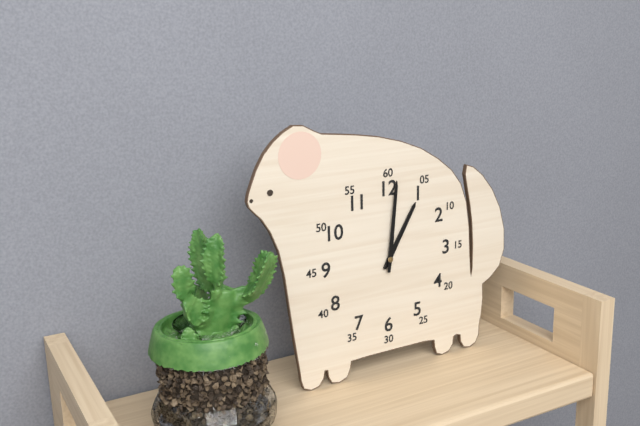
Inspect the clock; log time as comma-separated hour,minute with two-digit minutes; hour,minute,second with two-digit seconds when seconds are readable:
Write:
1,01
